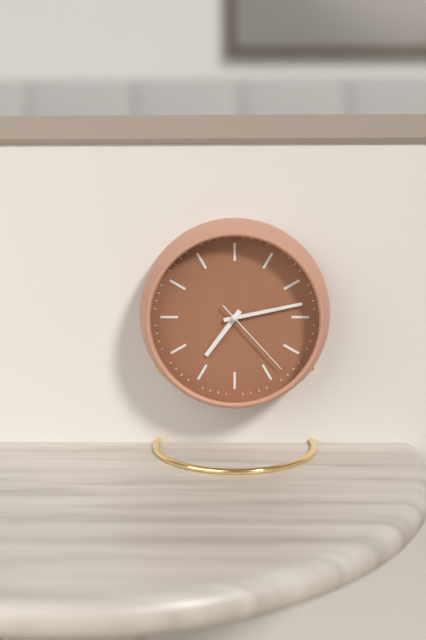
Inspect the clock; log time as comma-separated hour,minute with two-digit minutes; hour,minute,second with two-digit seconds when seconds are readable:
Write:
7,13,23
